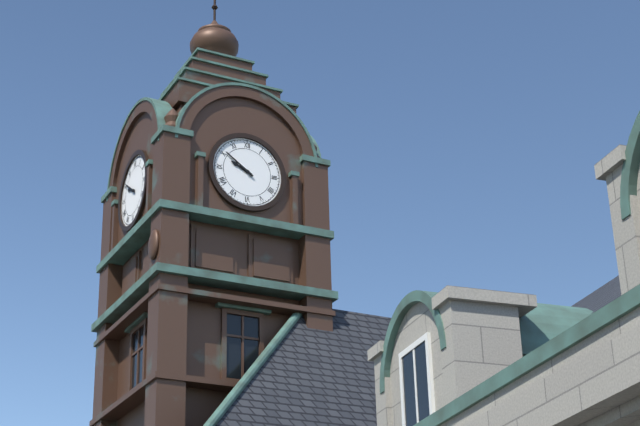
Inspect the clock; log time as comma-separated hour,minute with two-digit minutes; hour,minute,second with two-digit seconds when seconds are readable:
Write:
9,51
